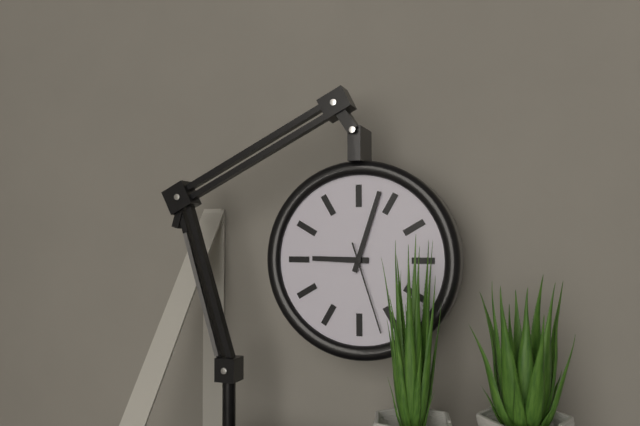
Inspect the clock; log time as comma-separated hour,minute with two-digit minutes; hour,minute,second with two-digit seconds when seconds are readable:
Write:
9,03,27
